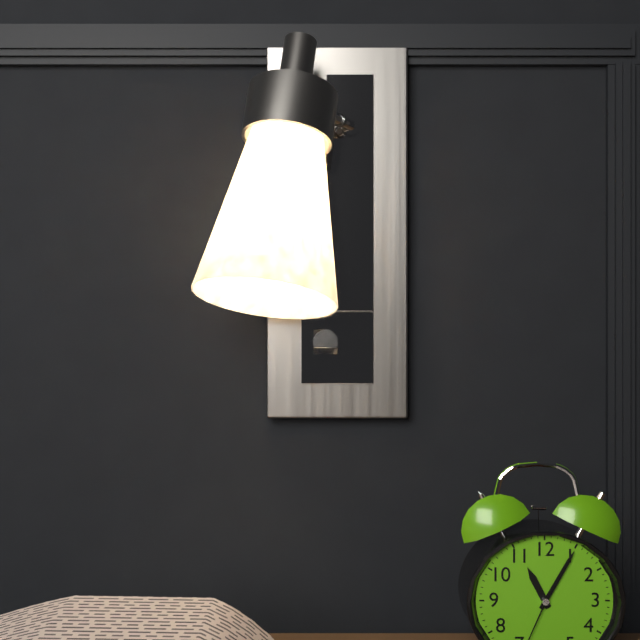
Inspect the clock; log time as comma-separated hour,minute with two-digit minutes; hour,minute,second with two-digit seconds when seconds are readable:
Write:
11,05
